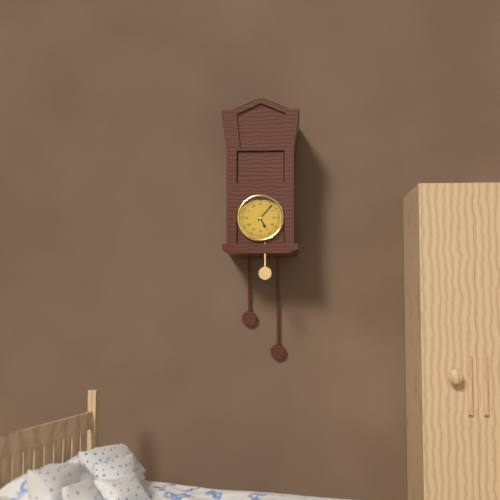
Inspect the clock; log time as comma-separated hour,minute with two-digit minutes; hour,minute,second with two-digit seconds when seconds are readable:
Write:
5,07
